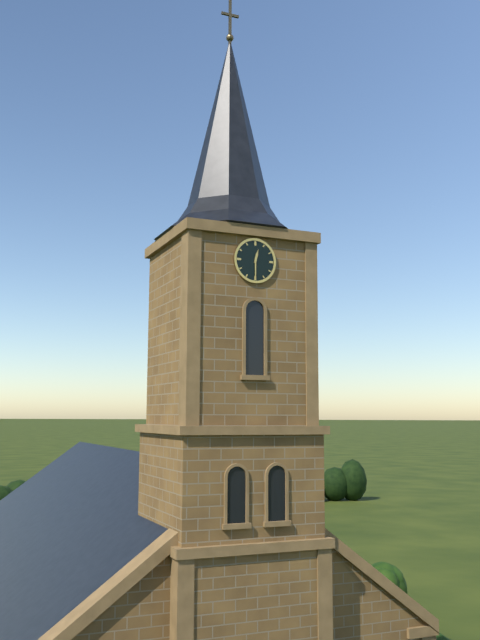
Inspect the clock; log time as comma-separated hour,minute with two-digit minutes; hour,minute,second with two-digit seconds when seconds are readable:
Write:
12,30
